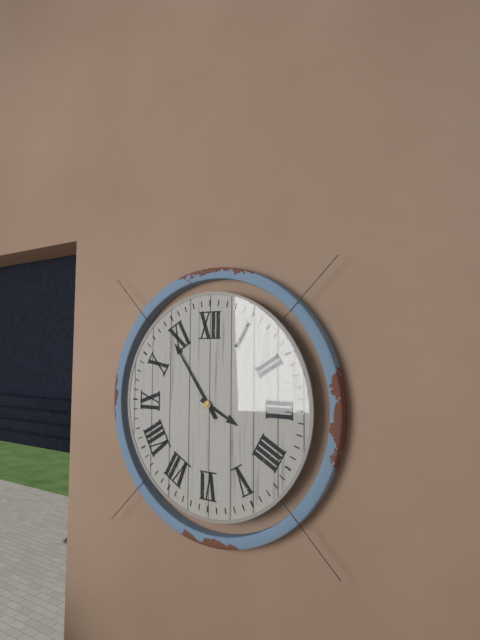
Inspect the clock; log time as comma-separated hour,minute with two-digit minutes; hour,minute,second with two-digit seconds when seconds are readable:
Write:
3,54
